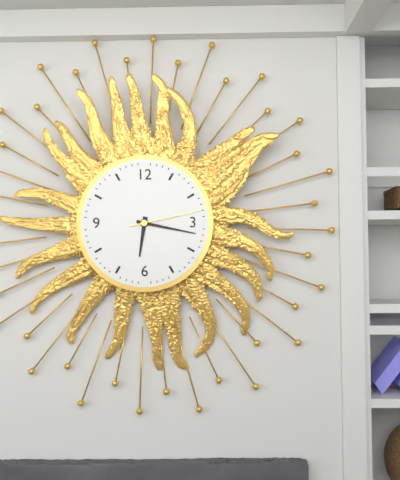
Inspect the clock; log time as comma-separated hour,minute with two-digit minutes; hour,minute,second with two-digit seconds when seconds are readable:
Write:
6,17,13
